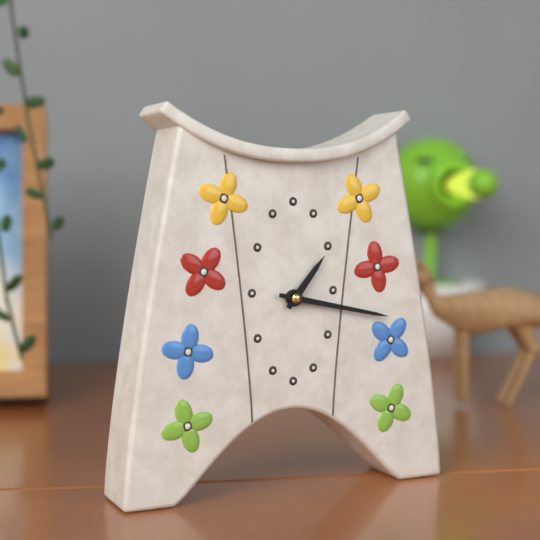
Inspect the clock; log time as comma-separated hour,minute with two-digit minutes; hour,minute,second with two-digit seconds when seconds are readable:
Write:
1,17
